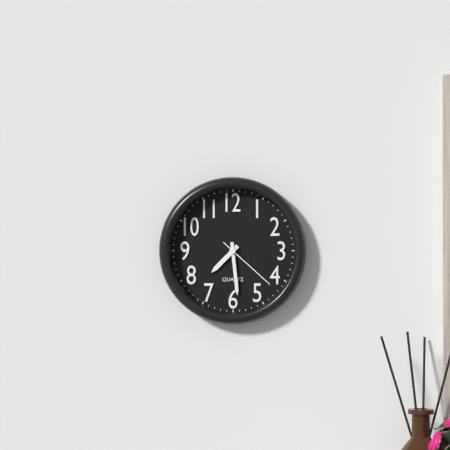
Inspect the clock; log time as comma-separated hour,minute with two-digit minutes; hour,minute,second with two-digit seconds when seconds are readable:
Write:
7,29,22
